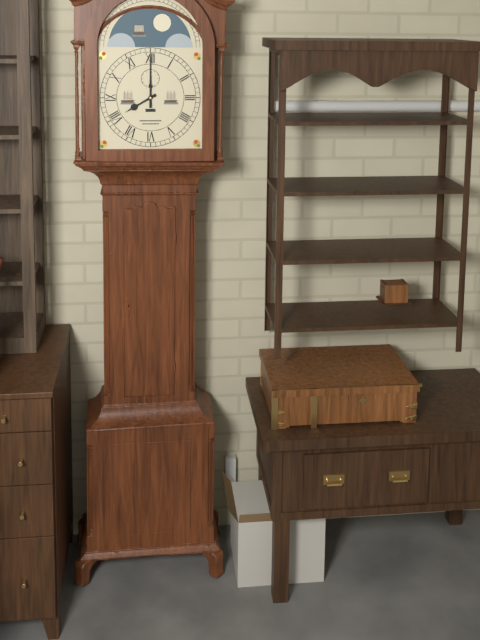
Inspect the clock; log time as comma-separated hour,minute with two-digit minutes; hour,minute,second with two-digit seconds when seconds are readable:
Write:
8,00
